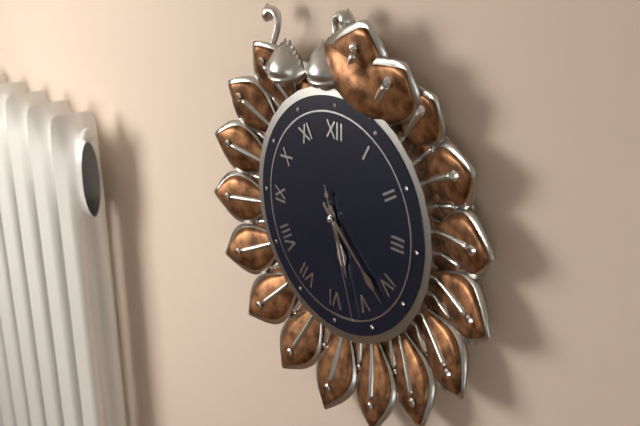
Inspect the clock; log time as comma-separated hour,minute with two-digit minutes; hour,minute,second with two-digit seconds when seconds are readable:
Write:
5,22,27
